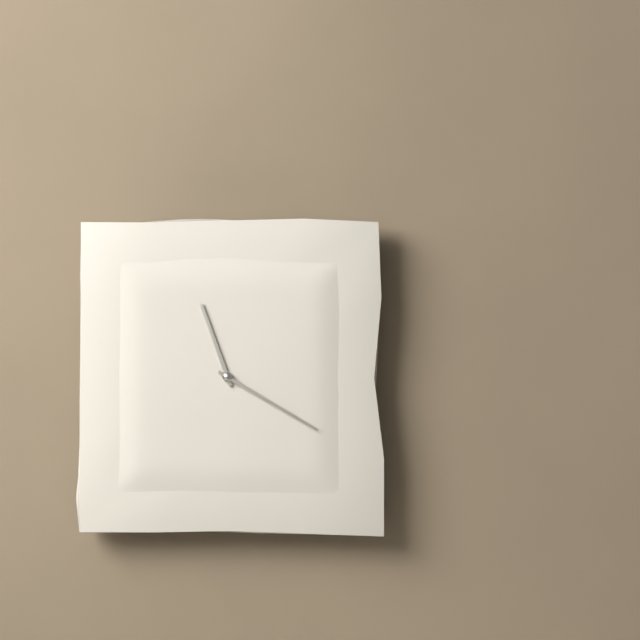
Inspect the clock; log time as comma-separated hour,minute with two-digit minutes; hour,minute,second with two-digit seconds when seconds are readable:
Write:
11,20
